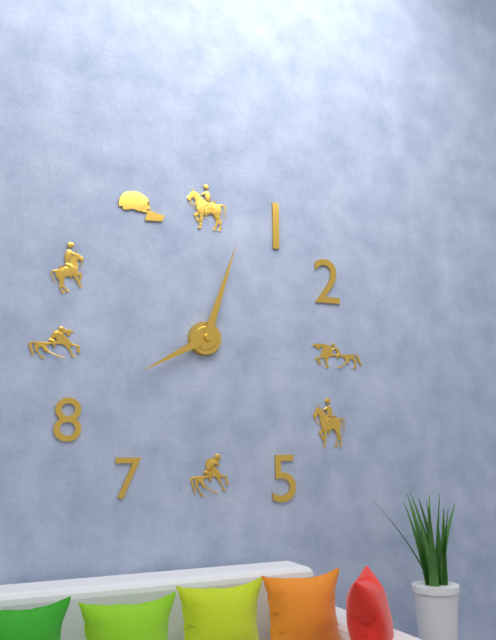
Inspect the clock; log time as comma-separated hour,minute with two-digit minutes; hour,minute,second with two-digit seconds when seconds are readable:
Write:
8,03
